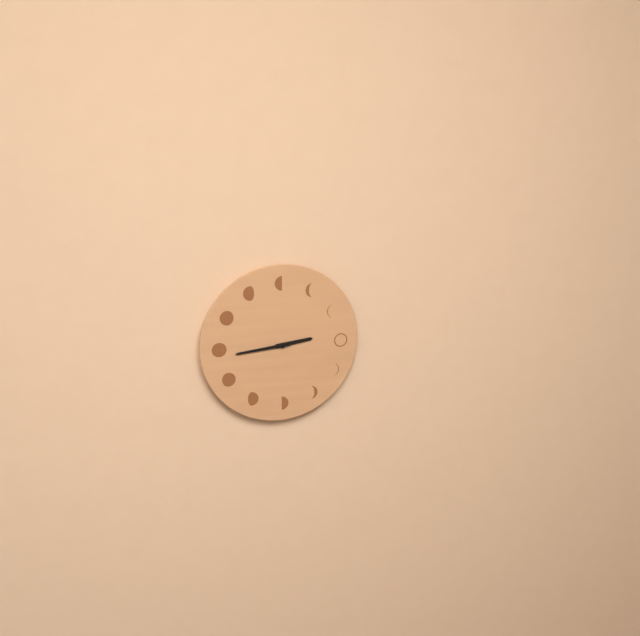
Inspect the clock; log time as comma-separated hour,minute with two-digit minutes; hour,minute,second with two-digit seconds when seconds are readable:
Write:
2,44
